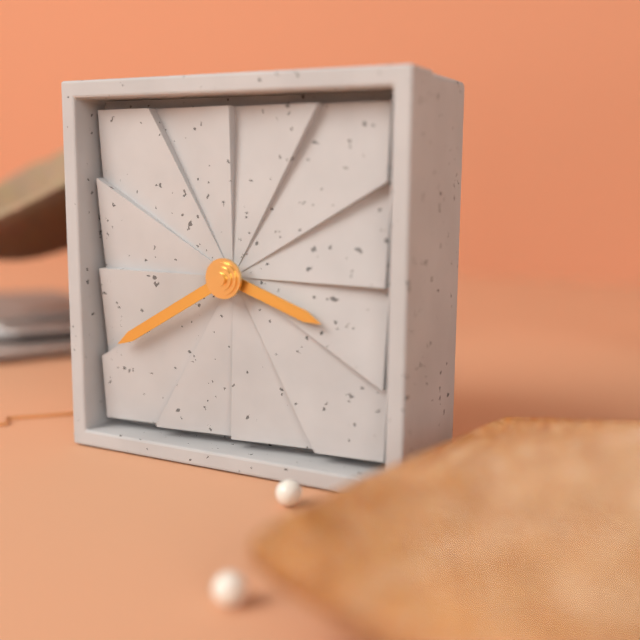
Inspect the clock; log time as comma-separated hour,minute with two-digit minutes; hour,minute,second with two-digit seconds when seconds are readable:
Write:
3,40
